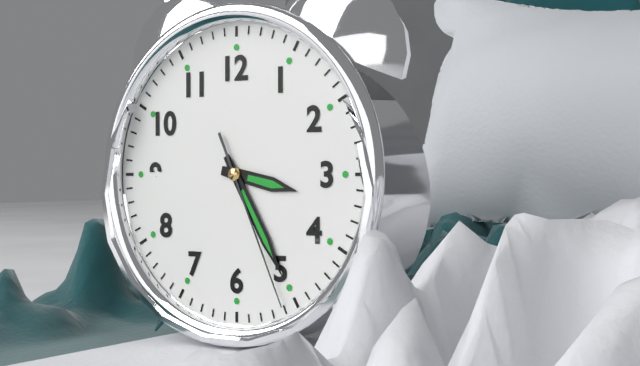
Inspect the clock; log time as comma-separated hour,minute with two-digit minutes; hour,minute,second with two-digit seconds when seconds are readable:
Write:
3,25,26
